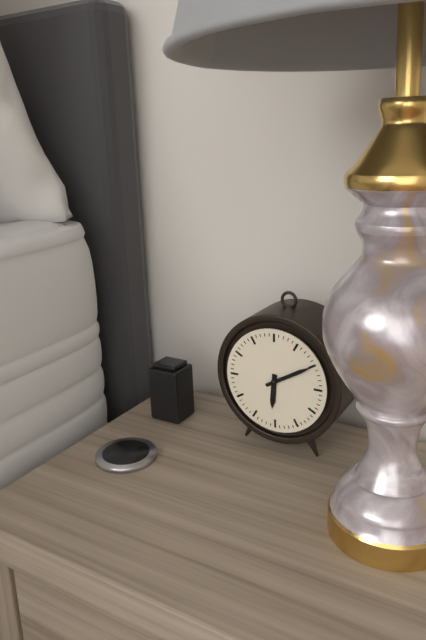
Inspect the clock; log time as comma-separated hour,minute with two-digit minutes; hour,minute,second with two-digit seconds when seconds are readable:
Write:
6,10
